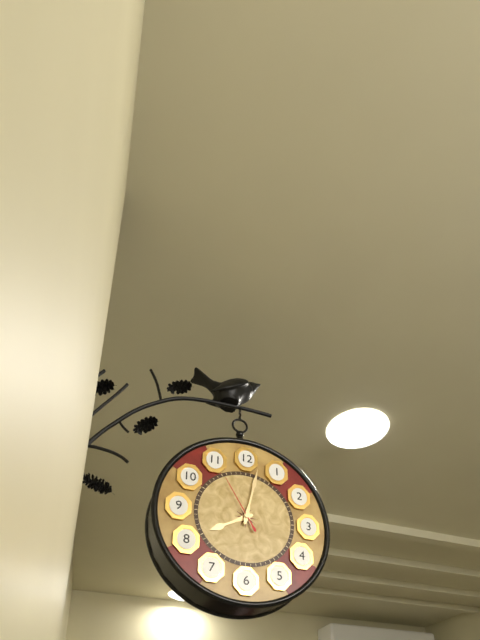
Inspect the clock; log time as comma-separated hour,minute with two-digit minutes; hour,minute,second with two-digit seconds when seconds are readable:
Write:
8,02,55
